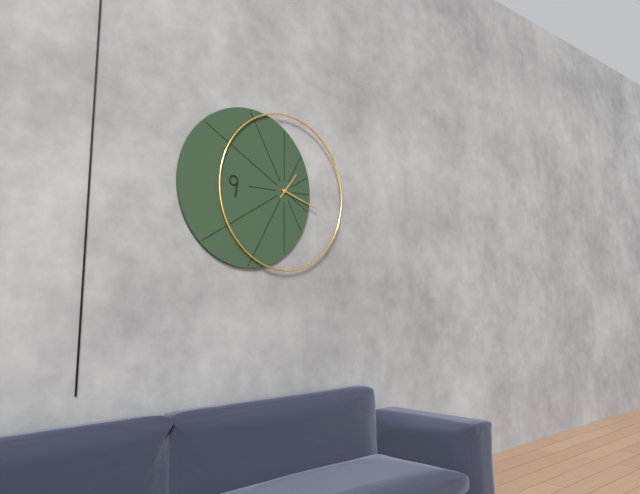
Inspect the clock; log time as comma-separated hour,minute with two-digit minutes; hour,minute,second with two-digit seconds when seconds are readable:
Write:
1,18
